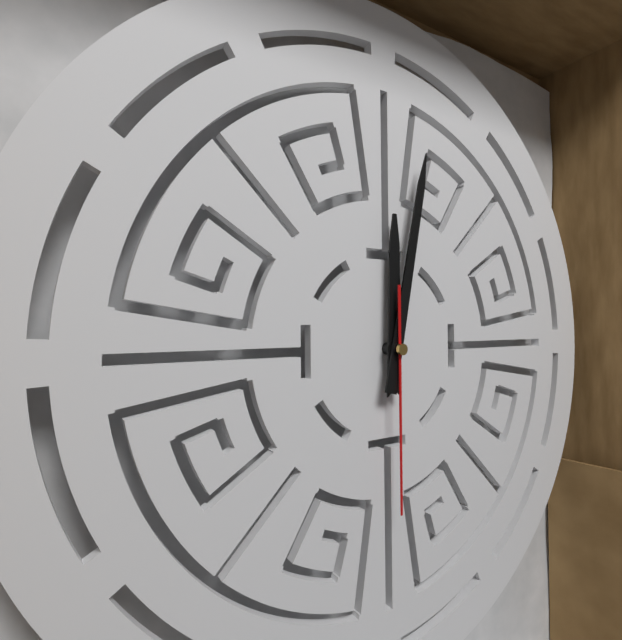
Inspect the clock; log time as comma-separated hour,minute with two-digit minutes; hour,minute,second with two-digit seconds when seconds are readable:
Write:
12,02,30
